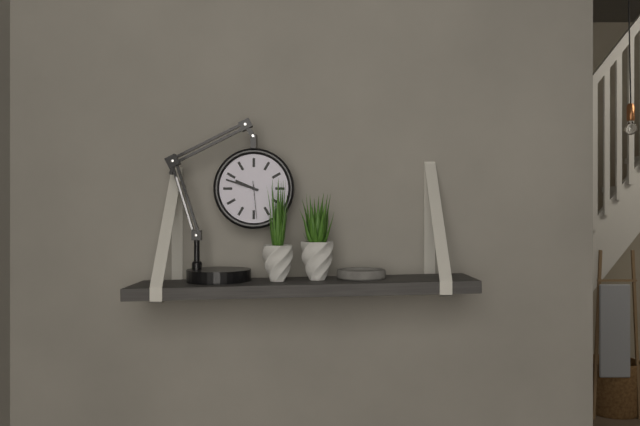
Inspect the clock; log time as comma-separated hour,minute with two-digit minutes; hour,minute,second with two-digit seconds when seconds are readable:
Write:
9,48
